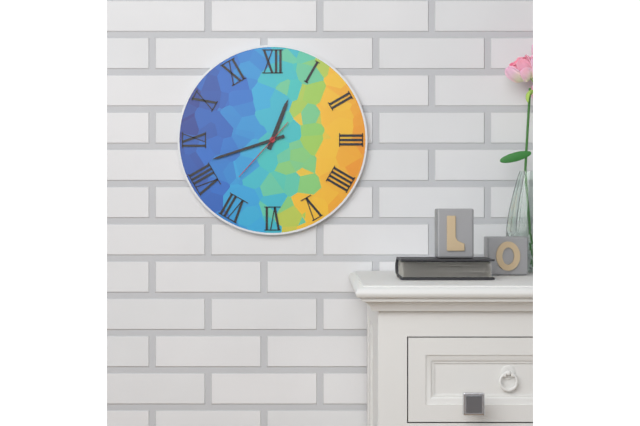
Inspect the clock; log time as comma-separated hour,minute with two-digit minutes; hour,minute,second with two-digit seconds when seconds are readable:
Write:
12,42,37
